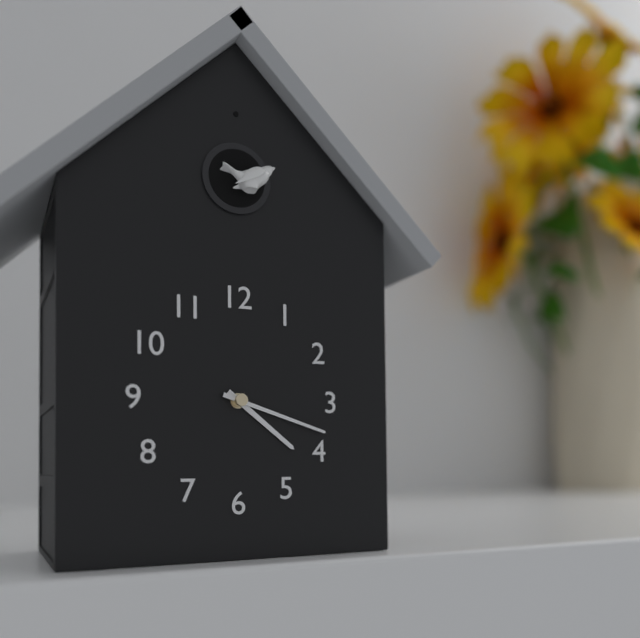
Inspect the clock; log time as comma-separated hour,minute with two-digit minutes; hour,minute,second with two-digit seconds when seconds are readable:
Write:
4,18
